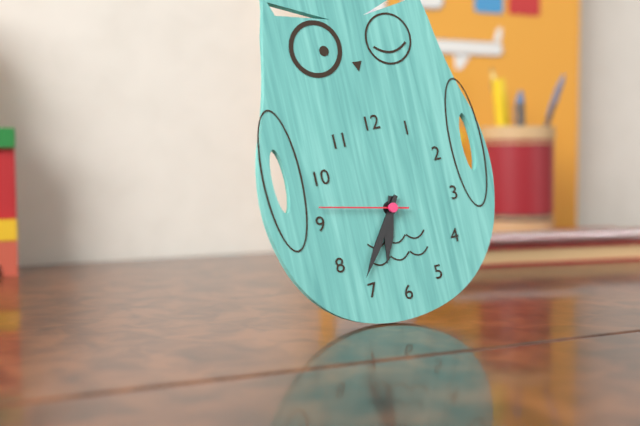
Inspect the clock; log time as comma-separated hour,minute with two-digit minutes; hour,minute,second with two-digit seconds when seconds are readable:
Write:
6,36,47
